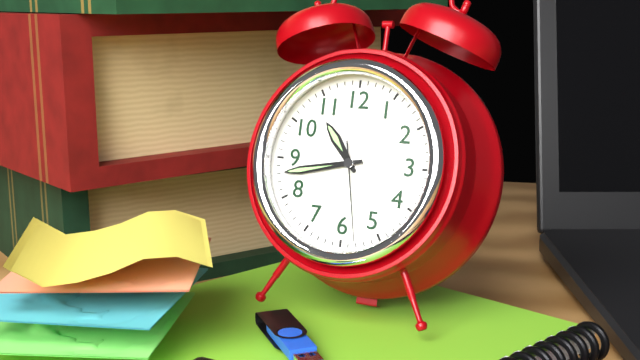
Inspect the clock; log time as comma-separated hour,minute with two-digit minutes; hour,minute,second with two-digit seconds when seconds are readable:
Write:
10,43,28
